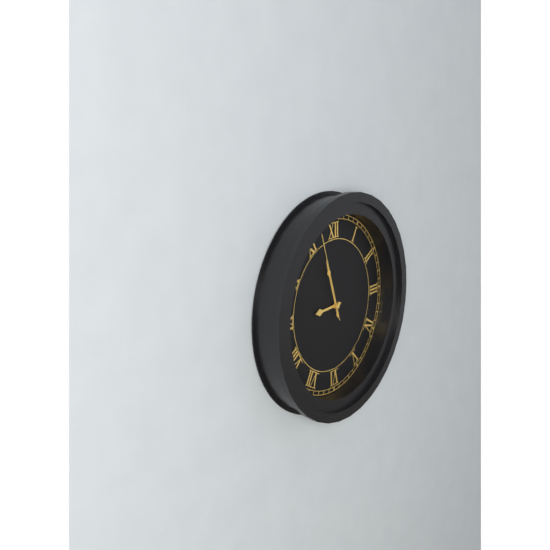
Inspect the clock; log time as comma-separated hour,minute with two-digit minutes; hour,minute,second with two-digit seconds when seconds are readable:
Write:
8,57,57
